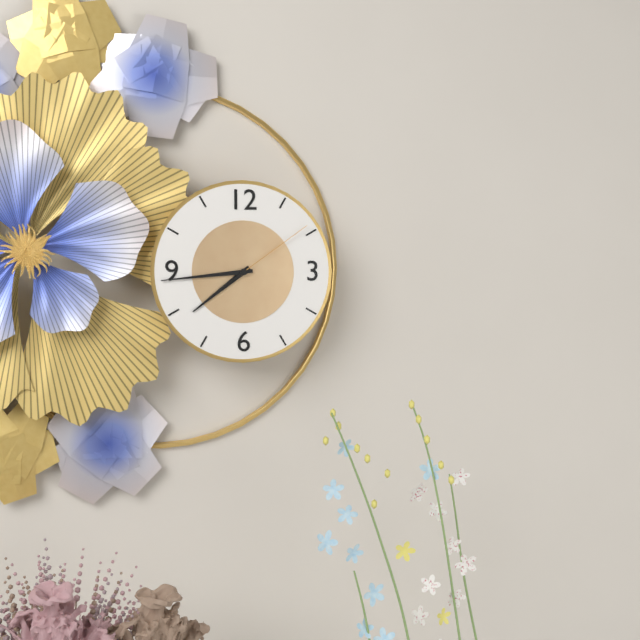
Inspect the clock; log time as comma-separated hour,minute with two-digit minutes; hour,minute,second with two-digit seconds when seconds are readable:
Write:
7,44,09
